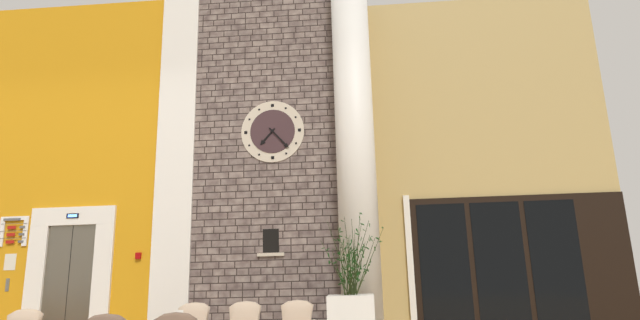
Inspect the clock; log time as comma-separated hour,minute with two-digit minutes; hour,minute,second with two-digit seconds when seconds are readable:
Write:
7,23
